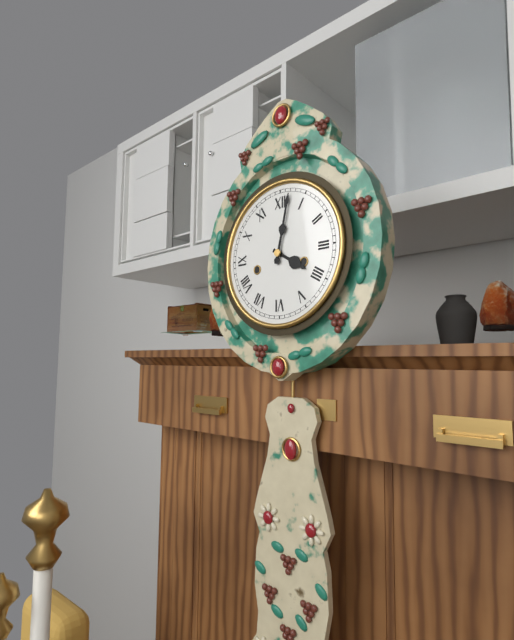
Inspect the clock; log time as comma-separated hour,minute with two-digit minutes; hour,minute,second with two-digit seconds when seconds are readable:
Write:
4,02
